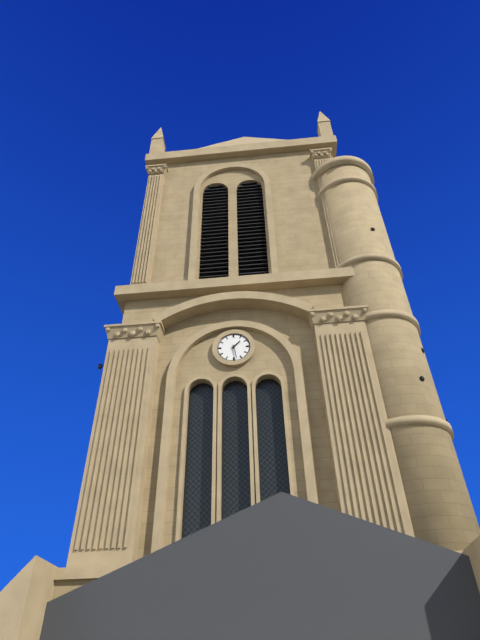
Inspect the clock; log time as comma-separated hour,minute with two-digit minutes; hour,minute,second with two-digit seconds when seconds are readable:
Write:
1,28
